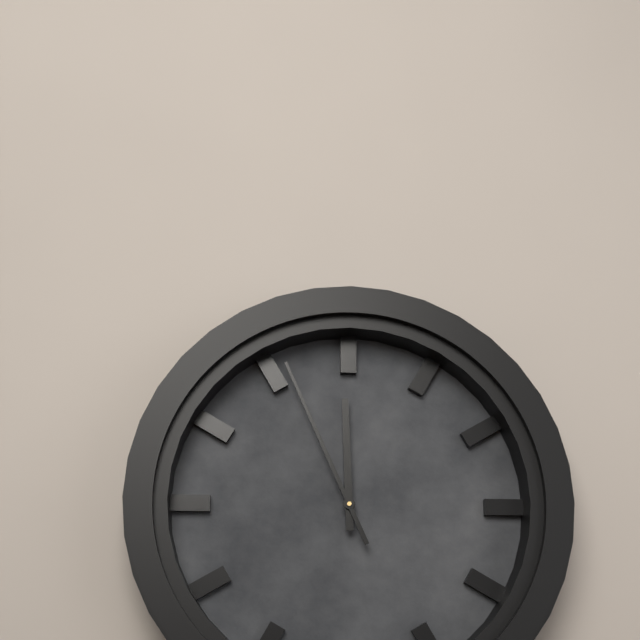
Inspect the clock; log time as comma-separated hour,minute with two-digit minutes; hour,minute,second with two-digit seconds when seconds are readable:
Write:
11,56
